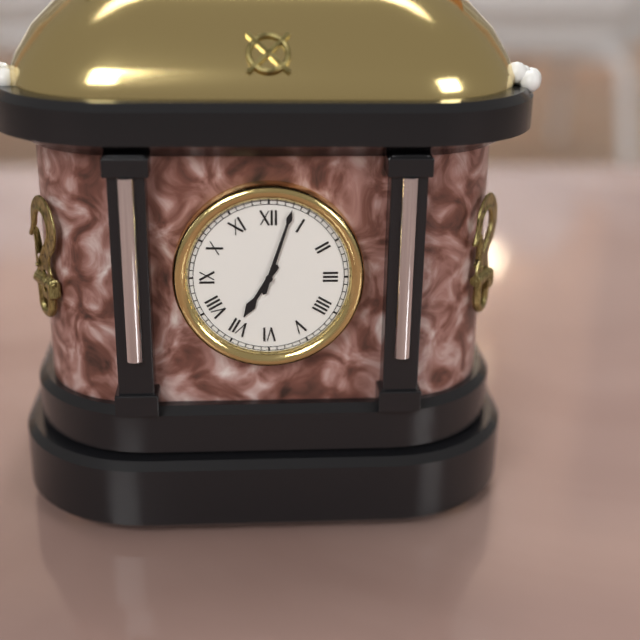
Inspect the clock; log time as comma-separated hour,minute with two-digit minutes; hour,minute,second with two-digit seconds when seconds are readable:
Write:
7,03
